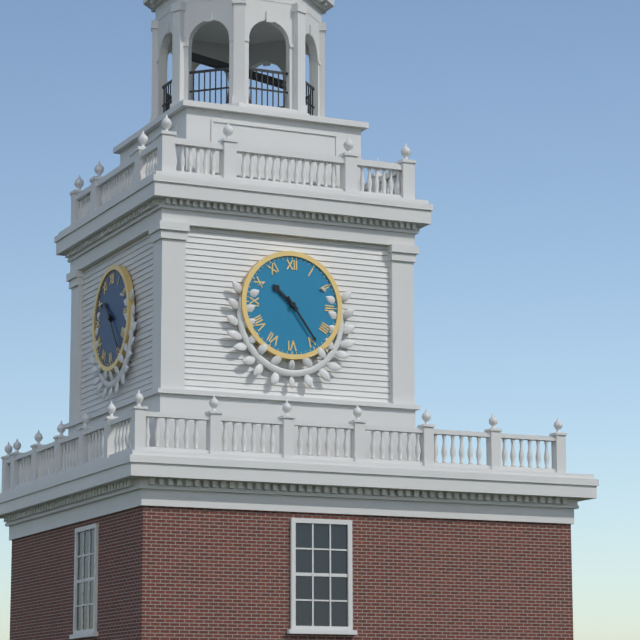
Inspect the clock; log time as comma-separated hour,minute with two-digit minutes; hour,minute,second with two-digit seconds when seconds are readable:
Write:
10,24
